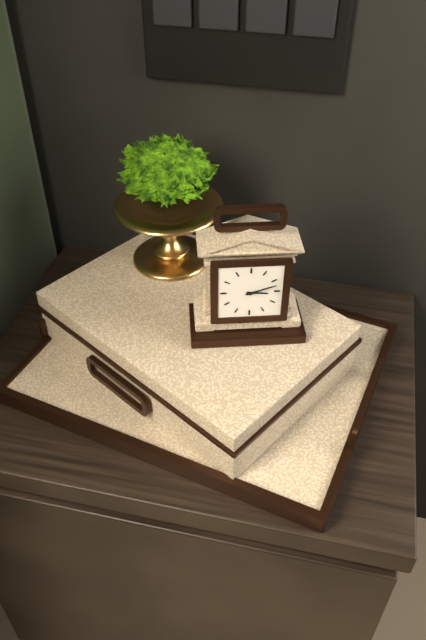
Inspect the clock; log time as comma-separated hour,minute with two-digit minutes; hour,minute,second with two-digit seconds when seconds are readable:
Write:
3,12
